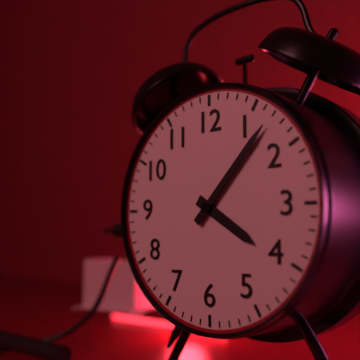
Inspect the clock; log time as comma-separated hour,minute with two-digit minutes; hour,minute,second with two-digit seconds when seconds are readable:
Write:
4,07
